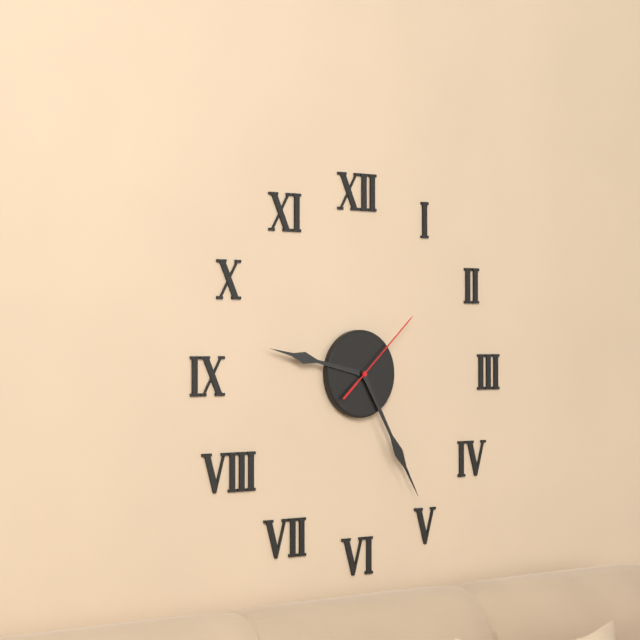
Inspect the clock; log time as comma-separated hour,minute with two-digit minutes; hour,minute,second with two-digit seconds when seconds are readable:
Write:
9,25,08
